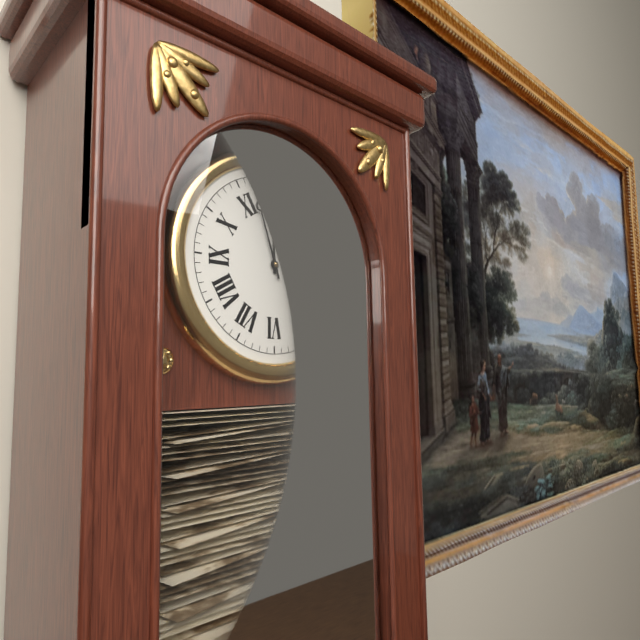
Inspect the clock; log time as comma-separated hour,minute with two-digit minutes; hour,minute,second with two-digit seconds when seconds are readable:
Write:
11,57
